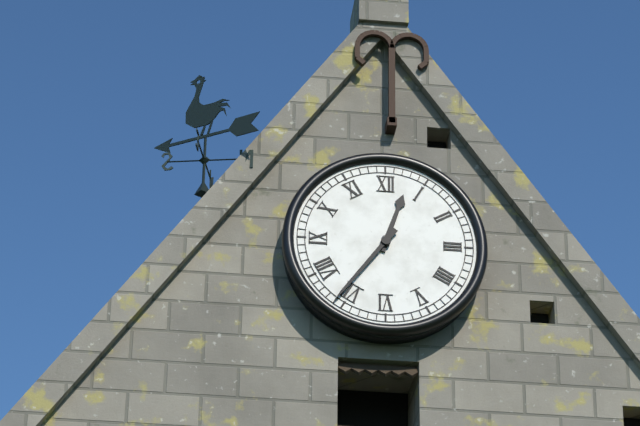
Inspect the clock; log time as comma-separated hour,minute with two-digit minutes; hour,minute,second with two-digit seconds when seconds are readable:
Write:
12,36
